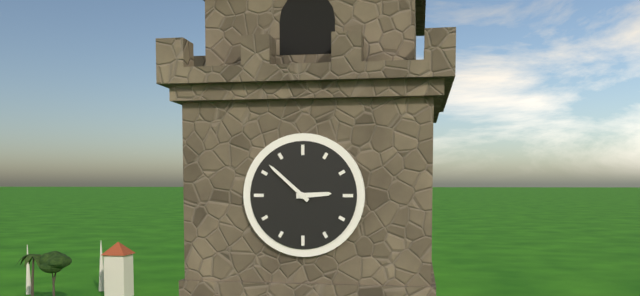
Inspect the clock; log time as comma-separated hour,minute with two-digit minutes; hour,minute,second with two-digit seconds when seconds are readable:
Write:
2,52
